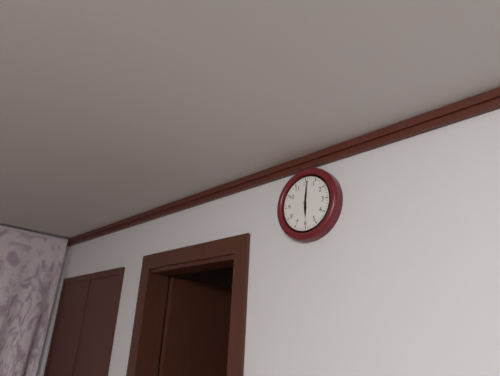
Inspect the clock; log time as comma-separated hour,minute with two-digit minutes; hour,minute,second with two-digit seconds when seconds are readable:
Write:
6,01
